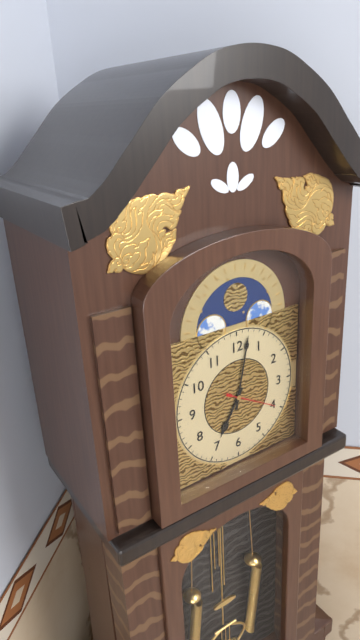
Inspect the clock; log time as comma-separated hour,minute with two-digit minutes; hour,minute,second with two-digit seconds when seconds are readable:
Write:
7,02
